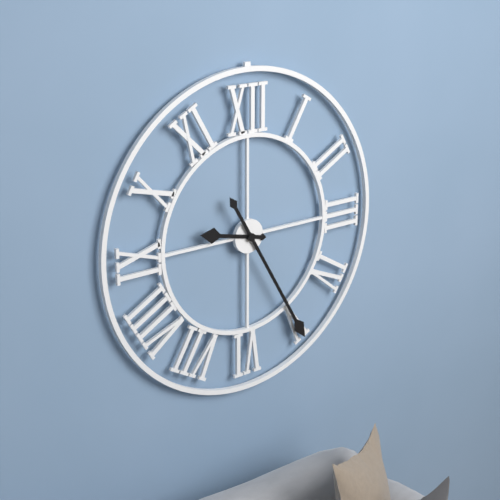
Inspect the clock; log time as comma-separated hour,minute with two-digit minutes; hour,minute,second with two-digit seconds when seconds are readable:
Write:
9,25
